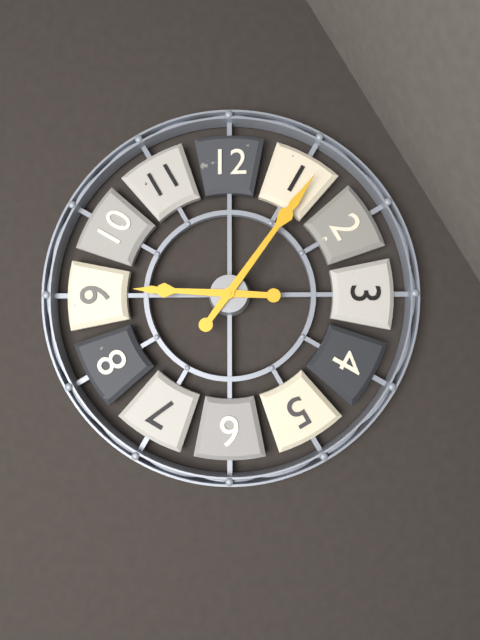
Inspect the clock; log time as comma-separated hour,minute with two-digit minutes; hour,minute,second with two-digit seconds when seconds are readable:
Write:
9,06
